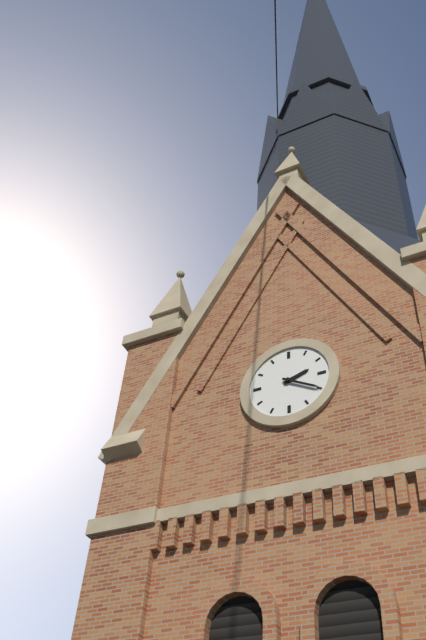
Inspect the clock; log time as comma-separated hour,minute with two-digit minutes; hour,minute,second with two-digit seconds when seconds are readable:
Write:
2,20
